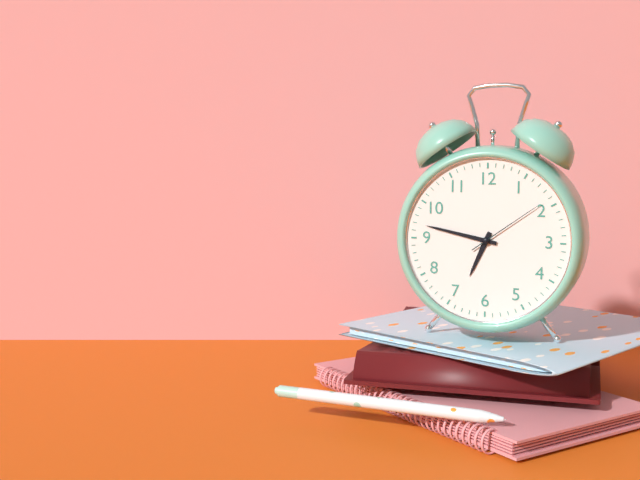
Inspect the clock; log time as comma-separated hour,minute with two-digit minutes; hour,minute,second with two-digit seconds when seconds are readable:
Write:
6,47,09
